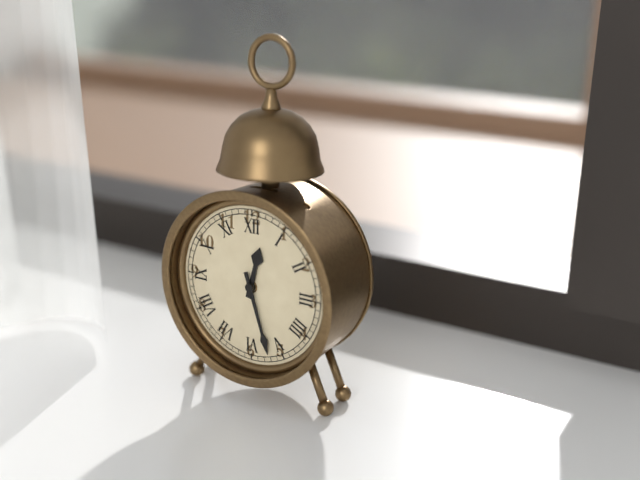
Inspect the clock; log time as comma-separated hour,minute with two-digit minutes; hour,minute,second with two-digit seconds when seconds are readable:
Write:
12,27
